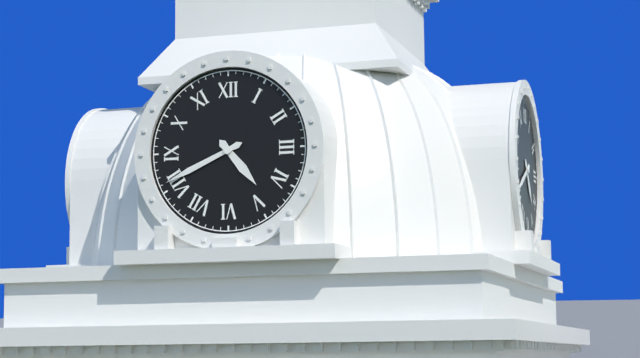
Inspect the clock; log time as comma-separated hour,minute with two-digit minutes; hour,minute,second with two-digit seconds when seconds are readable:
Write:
4,41
